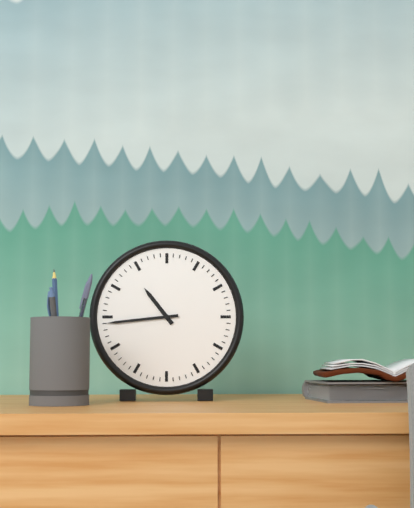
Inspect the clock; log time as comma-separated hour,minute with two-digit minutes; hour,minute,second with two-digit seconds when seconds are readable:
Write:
10,44
